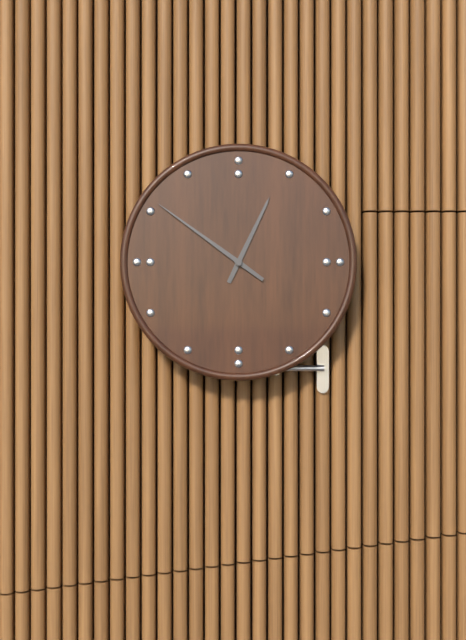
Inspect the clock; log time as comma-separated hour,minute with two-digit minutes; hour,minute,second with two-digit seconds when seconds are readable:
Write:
12,51
